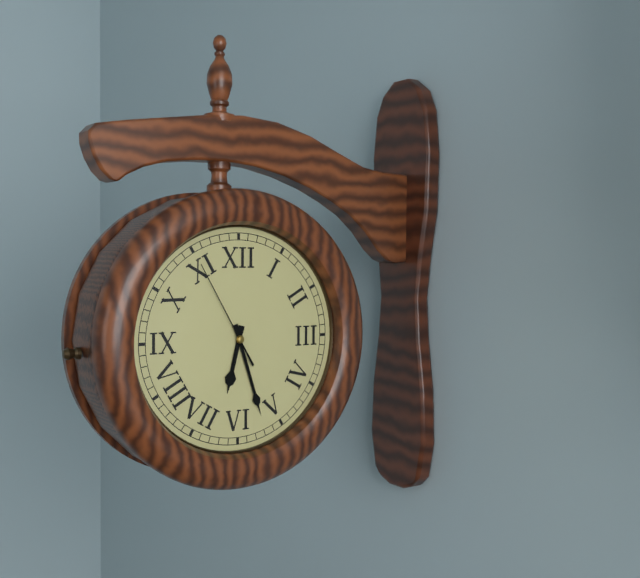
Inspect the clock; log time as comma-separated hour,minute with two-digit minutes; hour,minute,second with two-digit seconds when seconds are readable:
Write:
6,27,55
